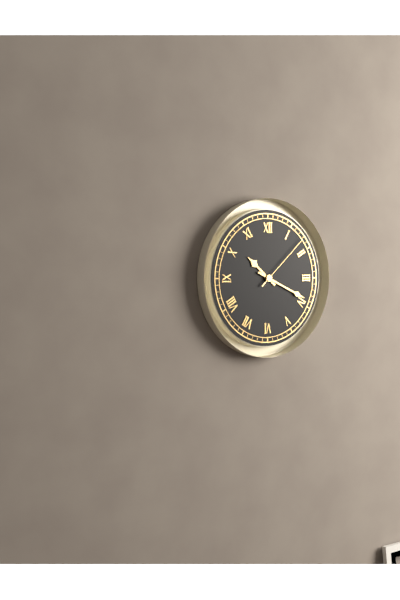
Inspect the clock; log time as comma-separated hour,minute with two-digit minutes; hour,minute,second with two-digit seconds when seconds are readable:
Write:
10,19,08
